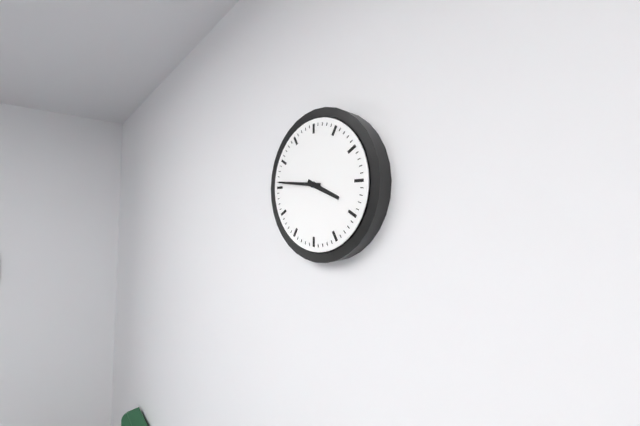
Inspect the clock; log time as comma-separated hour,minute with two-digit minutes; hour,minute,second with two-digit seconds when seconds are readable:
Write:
3,46
